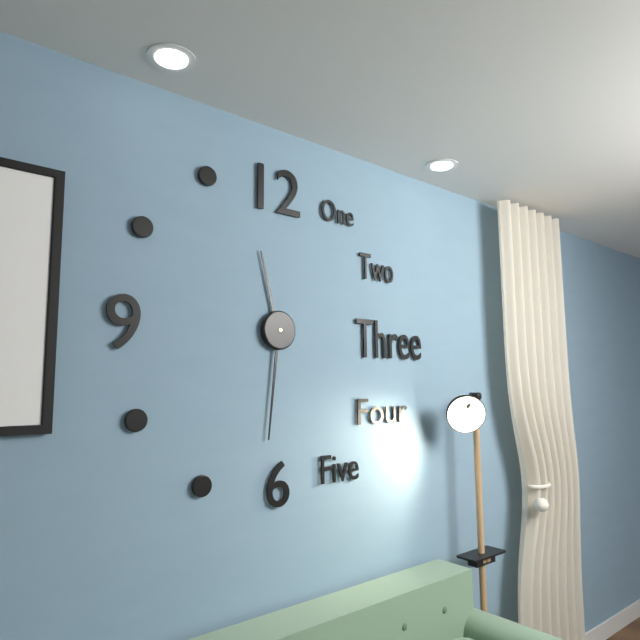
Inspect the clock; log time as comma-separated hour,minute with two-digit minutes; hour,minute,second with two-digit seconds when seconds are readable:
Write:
11,31
